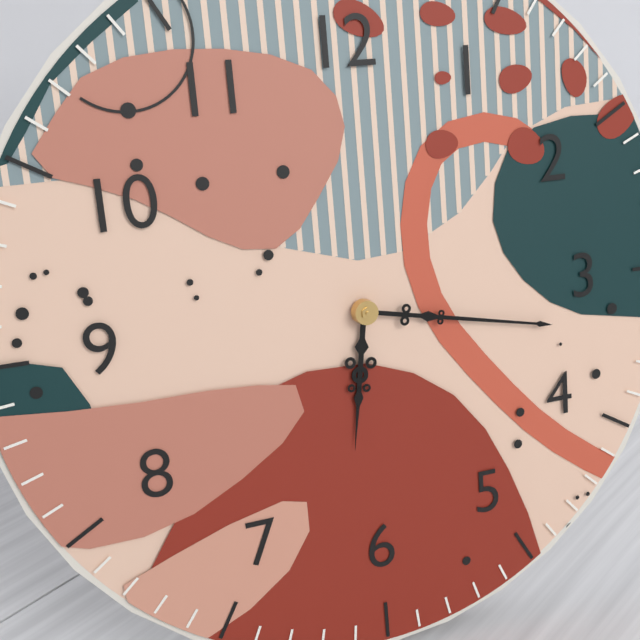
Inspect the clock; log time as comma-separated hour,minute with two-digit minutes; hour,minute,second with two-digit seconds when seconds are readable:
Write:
6,17
